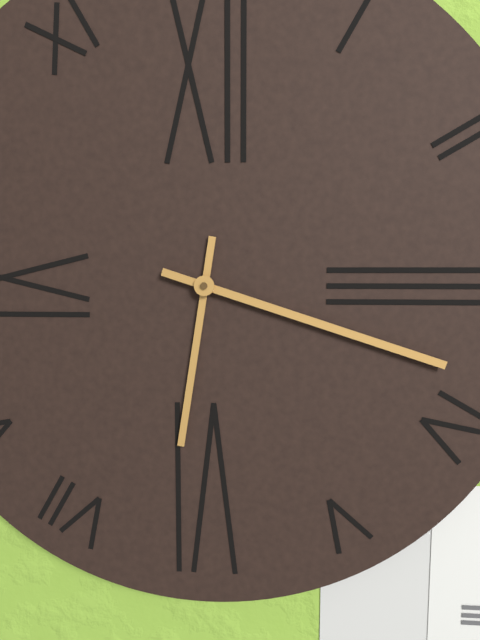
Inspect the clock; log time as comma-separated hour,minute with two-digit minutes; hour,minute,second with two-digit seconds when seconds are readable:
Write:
6,18
